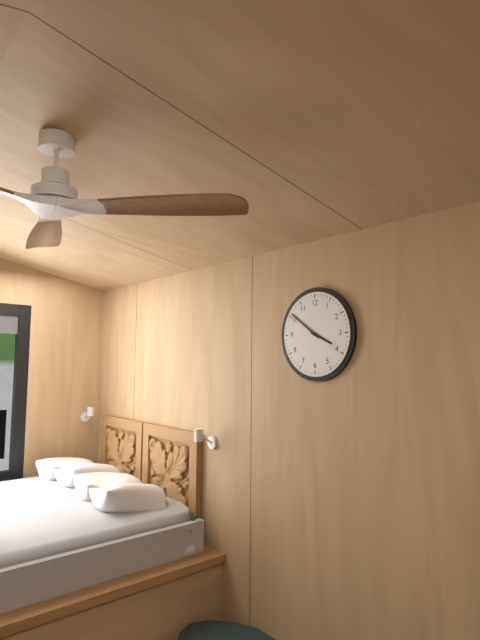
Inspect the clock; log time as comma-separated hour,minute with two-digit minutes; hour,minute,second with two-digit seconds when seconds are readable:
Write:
3,51
